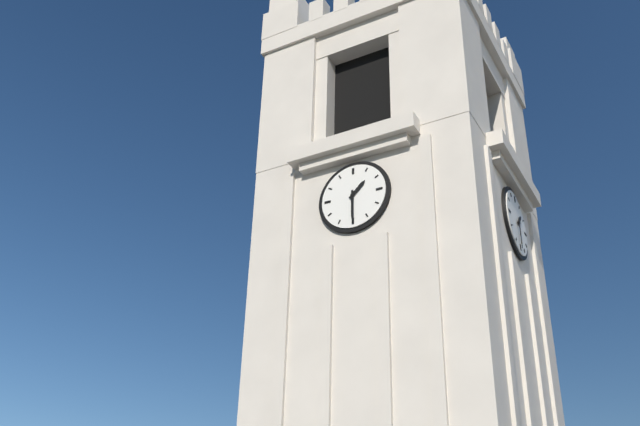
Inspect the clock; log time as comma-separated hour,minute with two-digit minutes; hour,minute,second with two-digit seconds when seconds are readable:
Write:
1,30
